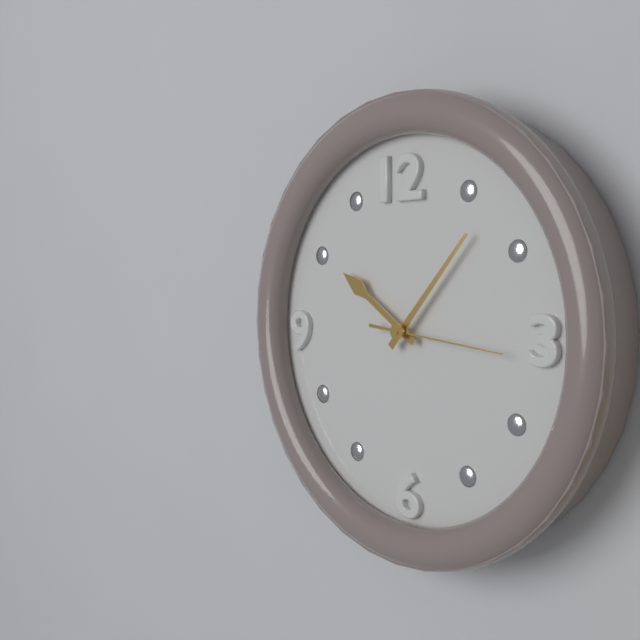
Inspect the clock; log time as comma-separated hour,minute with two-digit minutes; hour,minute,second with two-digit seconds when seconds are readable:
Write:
10,07,16
